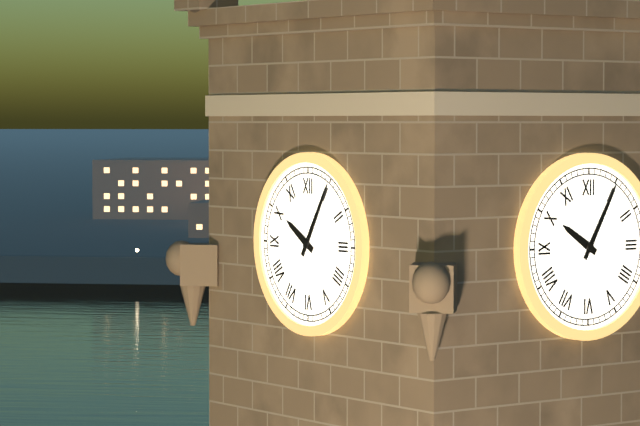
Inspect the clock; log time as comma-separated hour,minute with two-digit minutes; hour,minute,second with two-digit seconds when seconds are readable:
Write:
10,05
